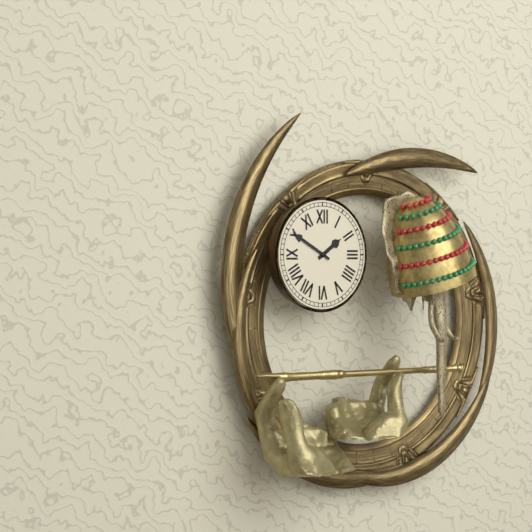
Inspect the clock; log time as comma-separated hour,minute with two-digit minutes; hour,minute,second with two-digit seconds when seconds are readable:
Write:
1,50
